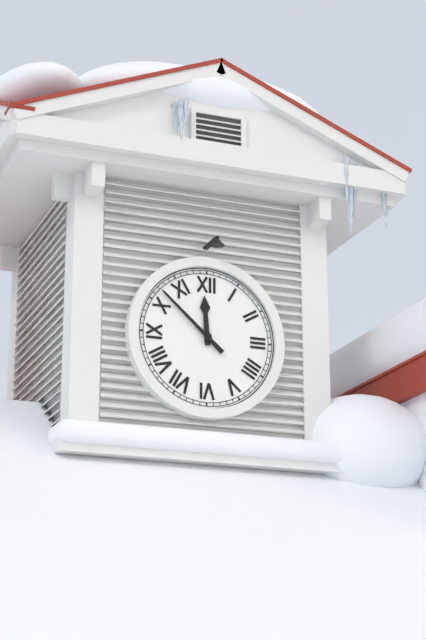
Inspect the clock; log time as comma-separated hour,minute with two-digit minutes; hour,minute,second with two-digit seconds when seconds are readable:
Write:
11,52
